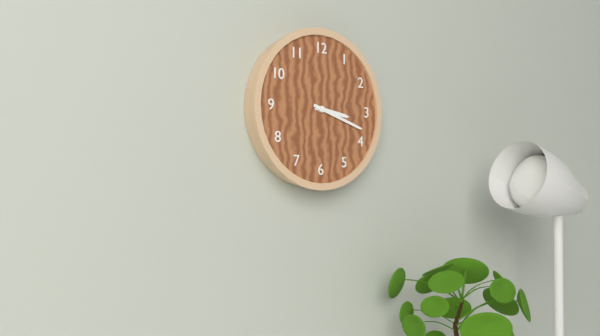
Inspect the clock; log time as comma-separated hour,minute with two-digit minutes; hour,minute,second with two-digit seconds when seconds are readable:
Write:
3,18
